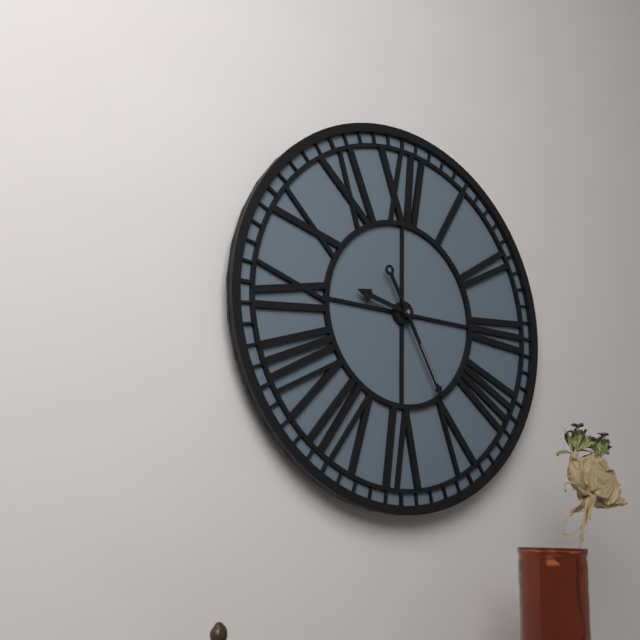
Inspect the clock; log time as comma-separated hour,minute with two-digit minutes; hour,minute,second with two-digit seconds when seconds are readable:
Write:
9,25
